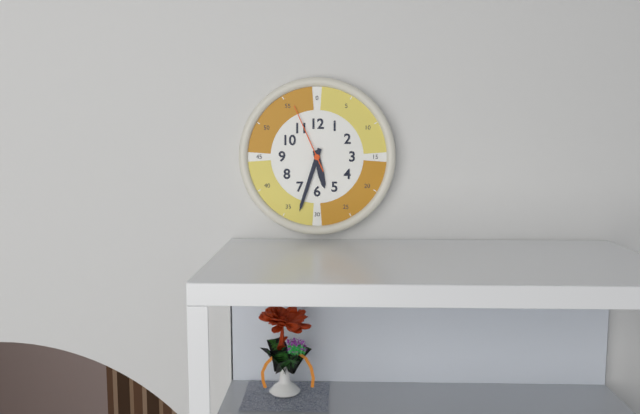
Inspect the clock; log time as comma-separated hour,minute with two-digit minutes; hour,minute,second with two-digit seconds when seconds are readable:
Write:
5,33,56
